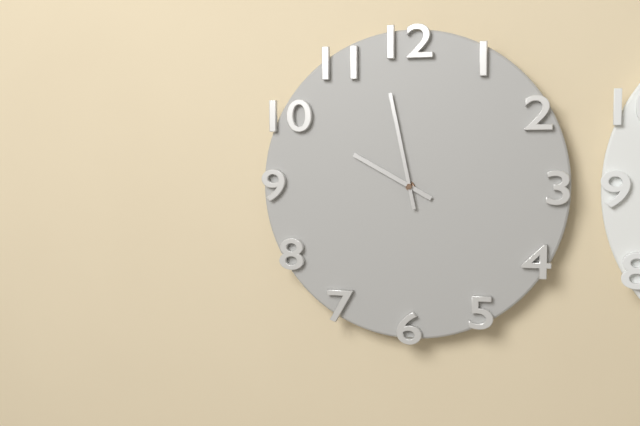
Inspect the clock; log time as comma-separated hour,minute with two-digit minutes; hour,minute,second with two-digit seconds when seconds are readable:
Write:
9,58
